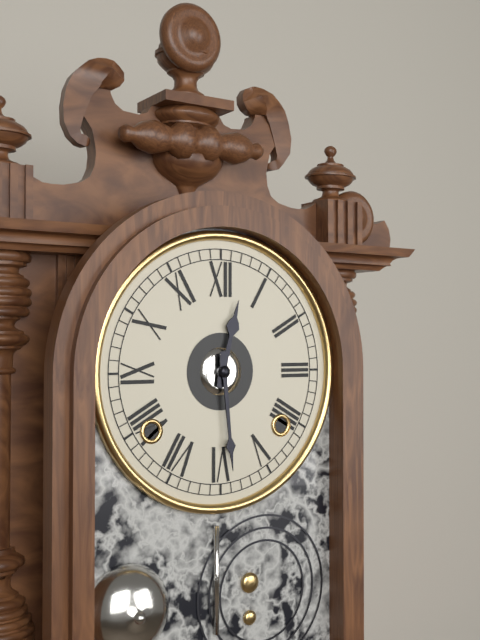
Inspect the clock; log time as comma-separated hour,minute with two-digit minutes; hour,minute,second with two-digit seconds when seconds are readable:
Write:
12,29
